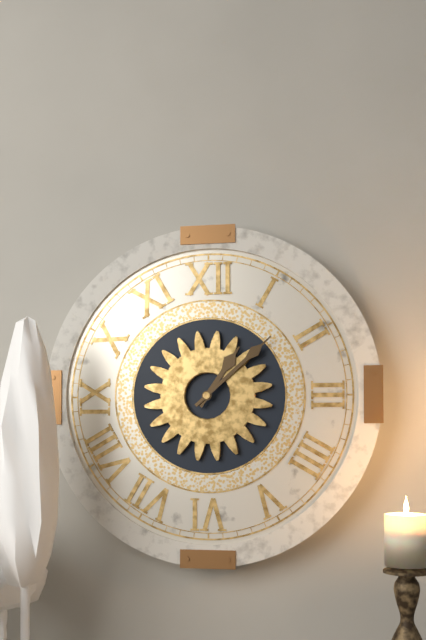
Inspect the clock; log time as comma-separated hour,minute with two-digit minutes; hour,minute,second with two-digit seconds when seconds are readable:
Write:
1,08
